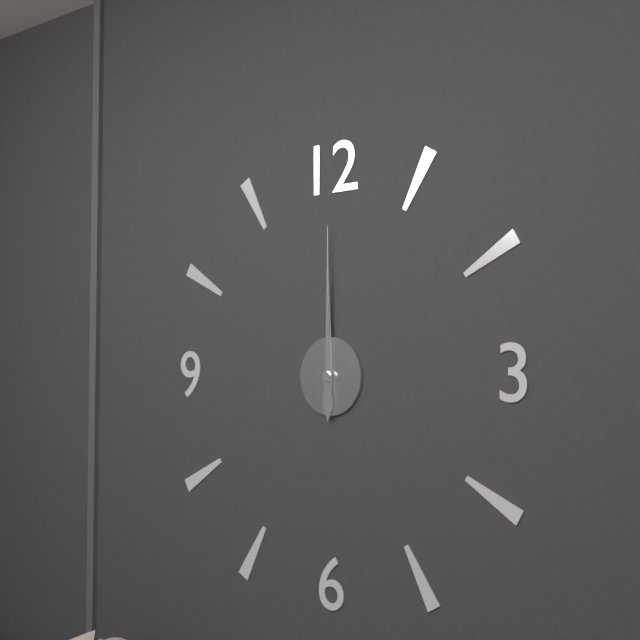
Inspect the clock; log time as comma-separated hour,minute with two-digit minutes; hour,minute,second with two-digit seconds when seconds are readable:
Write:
12,00
